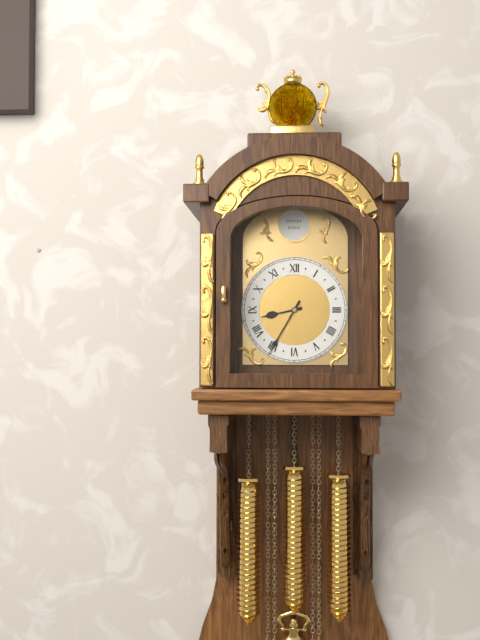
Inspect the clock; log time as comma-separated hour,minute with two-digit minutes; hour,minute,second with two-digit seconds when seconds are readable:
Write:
8,35
